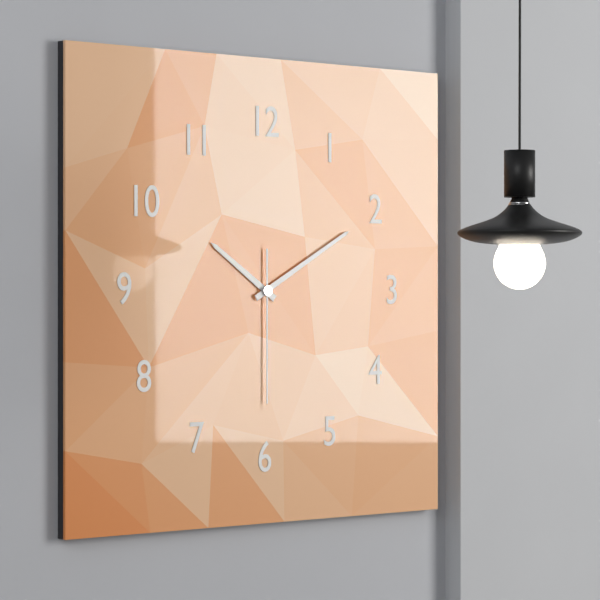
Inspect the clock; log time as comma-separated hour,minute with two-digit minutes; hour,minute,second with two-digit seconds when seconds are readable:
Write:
10,10,30
